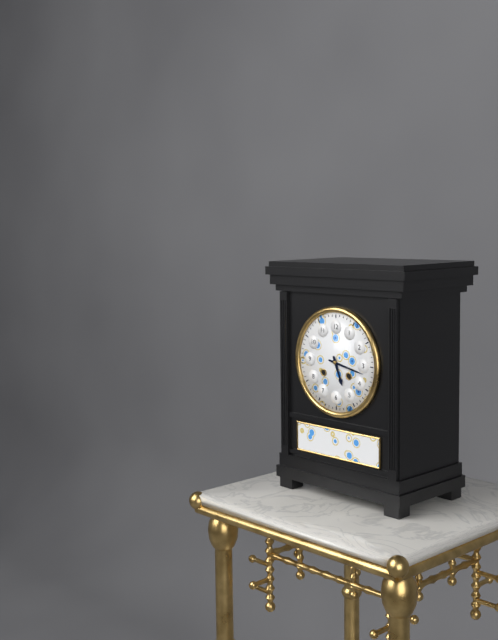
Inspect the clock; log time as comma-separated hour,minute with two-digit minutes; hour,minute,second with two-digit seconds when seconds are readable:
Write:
5,17
